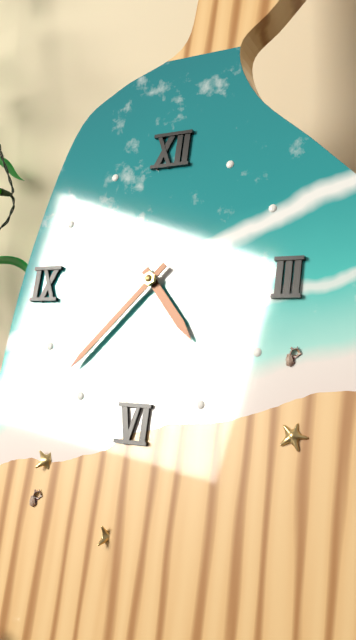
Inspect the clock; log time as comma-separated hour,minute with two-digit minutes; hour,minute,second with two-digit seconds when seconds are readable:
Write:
4,37
